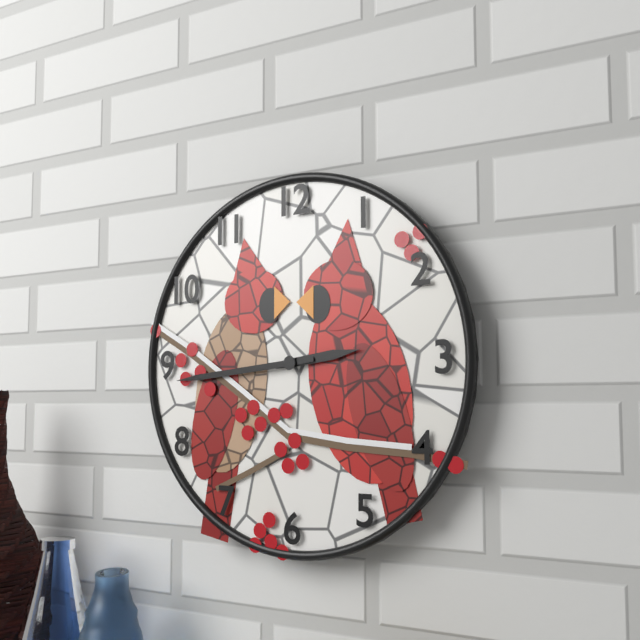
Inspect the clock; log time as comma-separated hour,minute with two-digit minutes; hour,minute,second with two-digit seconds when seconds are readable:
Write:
2,44
